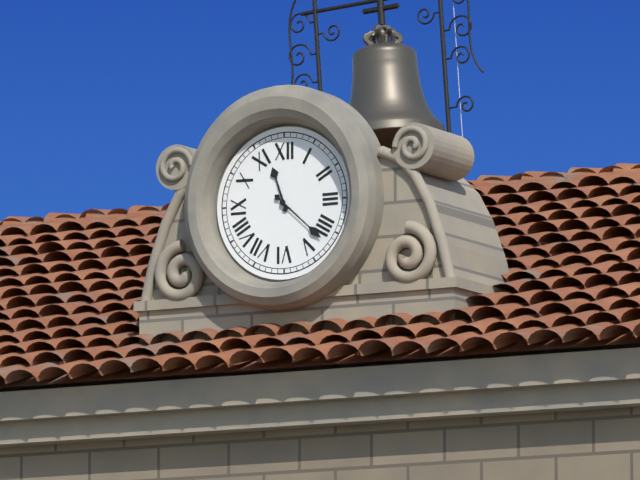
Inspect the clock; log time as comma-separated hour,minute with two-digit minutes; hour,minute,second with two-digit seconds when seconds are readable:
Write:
11,22
